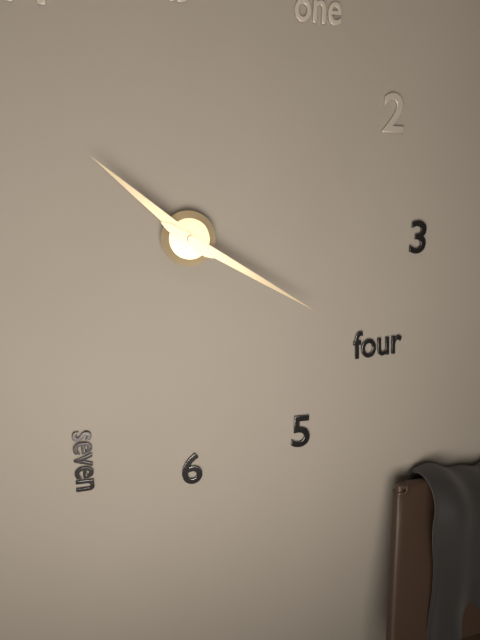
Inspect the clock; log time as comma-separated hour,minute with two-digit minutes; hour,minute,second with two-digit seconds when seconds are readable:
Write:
10,20
